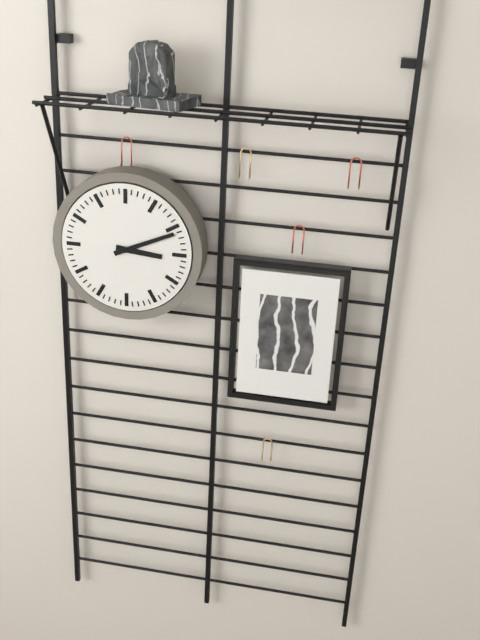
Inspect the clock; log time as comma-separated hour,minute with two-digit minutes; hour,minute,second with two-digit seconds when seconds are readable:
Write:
3,11
